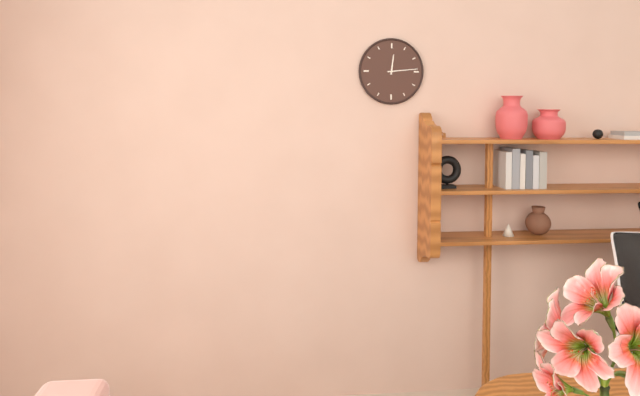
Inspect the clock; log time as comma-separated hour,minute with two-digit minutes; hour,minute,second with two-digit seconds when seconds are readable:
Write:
12,14
